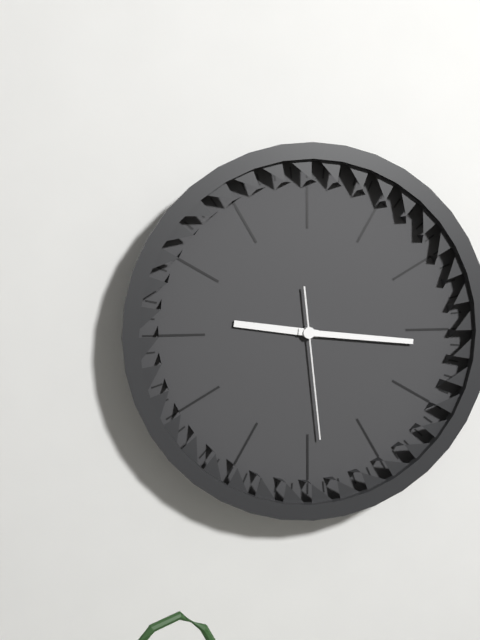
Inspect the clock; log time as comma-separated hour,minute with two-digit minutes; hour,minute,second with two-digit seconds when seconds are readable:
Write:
9,16,29
